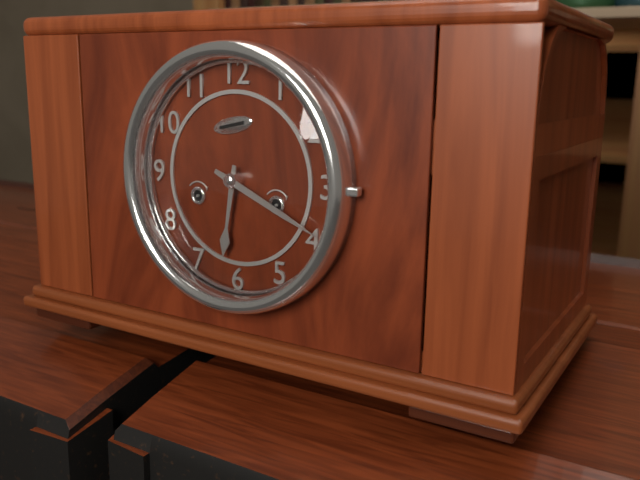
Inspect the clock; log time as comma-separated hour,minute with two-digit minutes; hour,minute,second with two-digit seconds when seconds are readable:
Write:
6,19
